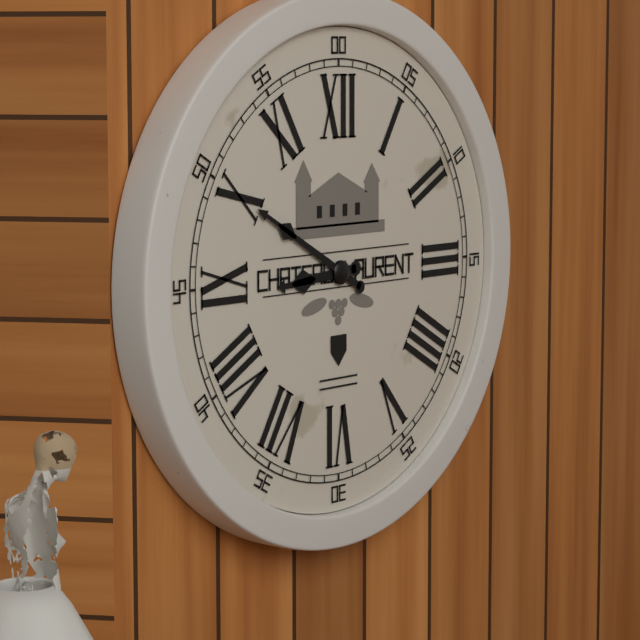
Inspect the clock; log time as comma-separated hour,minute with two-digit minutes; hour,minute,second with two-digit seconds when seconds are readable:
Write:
8,50
